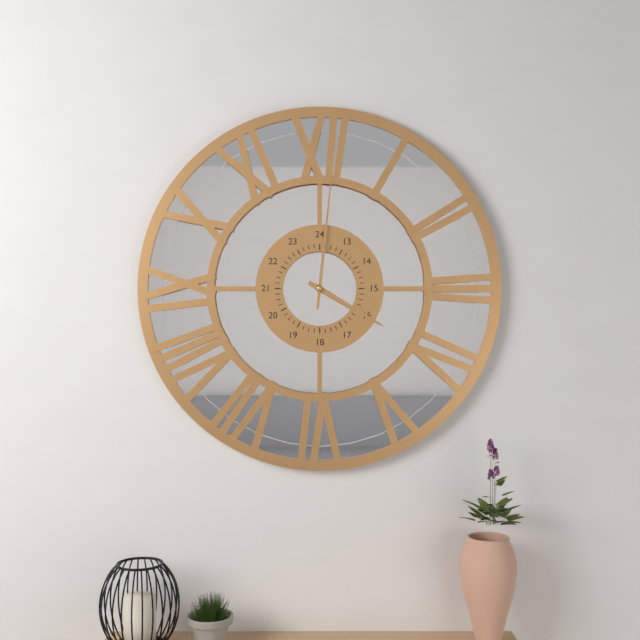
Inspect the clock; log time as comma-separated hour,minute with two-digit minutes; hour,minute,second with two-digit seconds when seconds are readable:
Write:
4,01
